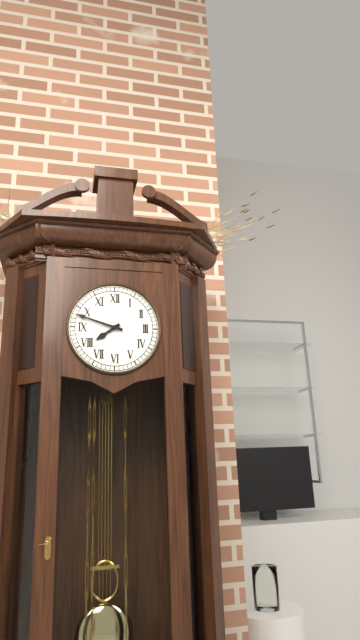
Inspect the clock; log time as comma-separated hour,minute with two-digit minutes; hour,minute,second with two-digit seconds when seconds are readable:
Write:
7,48
